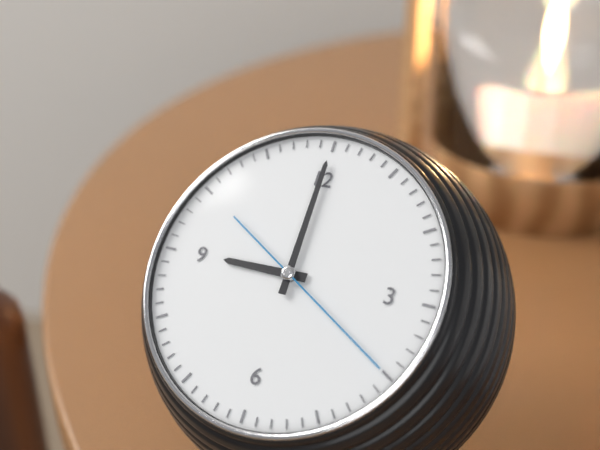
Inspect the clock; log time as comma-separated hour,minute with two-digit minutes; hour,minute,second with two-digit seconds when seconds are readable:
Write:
9,00,20
